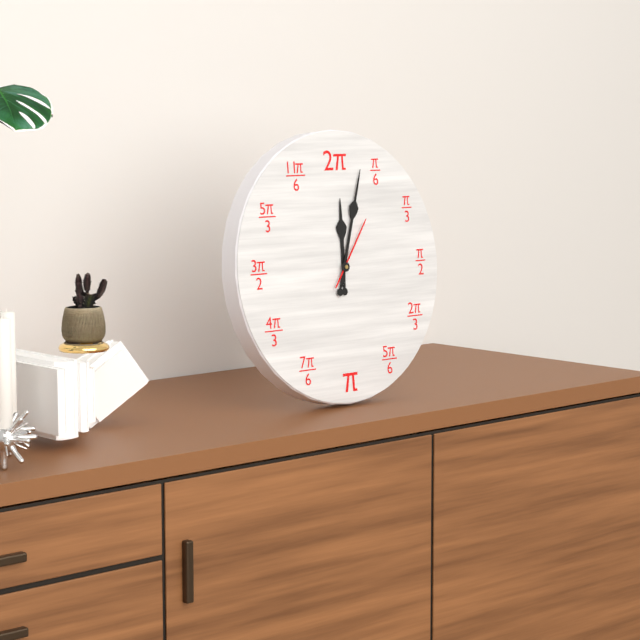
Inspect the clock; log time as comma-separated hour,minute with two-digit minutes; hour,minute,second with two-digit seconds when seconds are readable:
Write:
12,03,06
